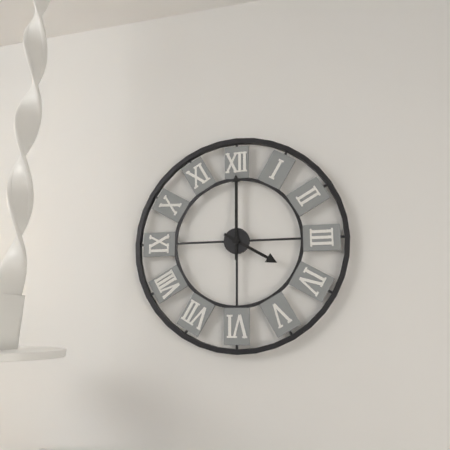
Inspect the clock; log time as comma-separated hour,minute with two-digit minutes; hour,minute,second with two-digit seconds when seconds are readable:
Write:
4,00
